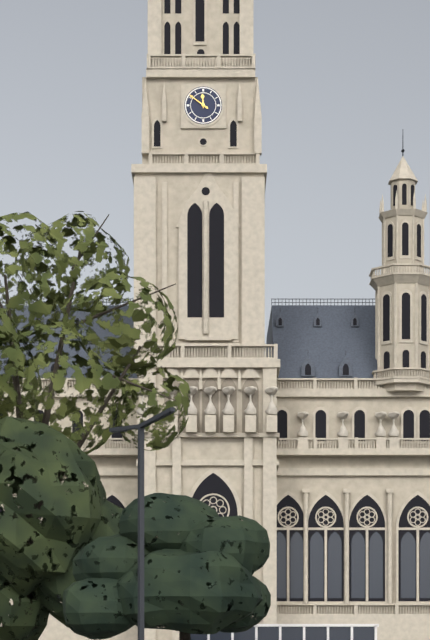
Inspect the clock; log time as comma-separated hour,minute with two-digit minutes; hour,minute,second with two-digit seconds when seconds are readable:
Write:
11,51
